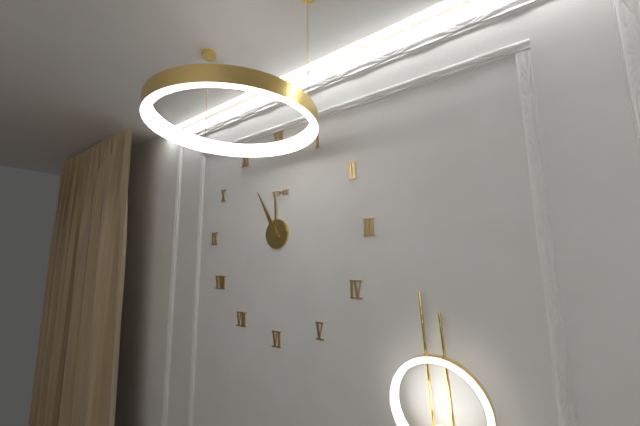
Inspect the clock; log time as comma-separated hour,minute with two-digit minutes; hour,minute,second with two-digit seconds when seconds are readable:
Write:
11,55
